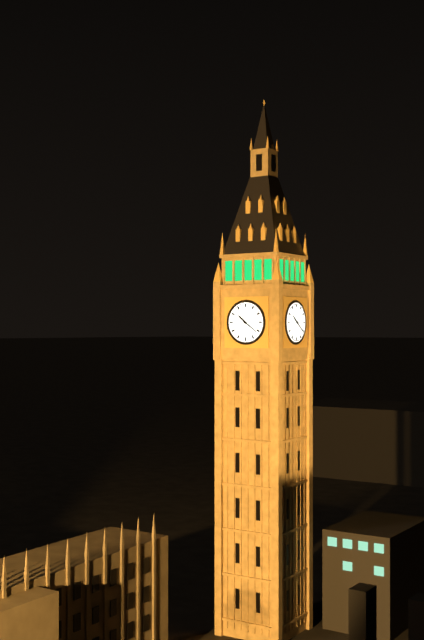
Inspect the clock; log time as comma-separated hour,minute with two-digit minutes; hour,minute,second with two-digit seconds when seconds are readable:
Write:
10,21
